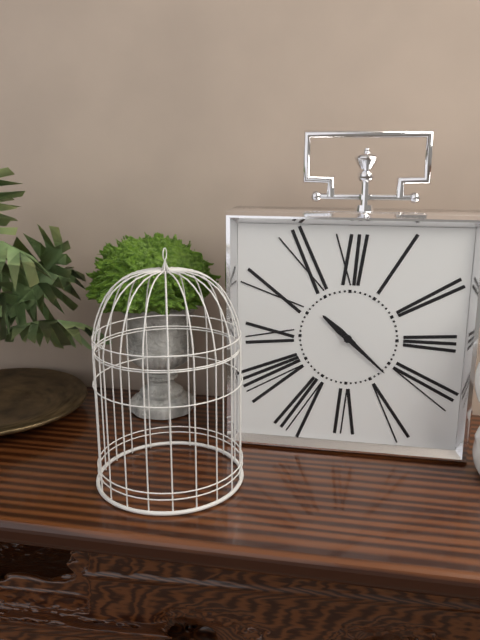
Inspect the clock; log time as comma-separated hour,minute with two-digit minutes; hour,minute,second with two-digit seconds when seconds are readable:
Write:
10,22
